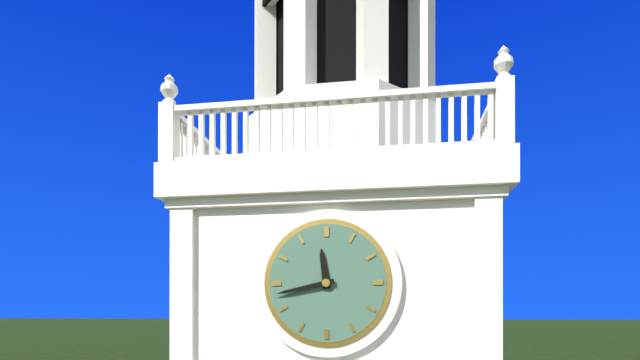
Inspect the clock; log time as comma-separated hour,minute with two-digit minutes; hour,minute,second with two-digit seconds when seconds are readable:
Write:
11,43
